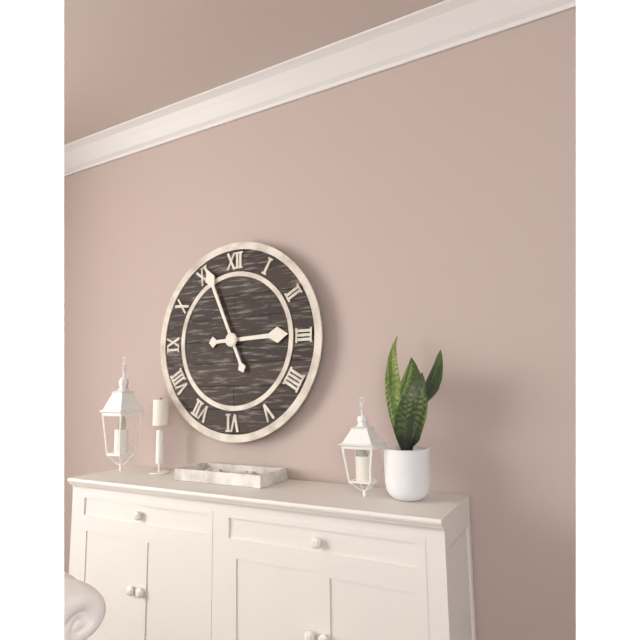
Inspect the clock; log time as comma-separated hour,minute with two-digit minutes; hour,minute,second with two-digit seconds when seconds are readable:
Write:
2,56
